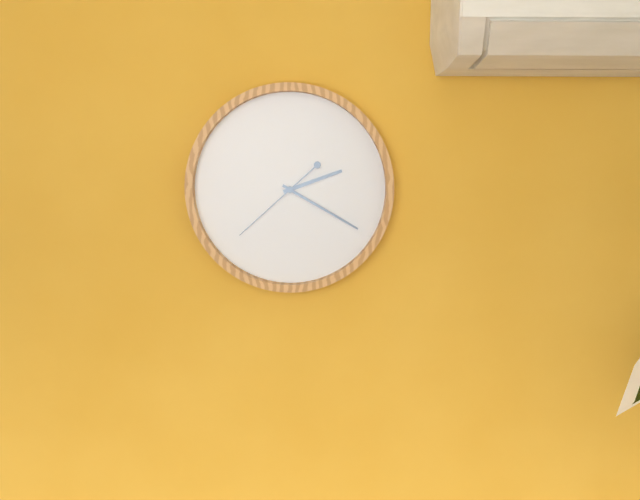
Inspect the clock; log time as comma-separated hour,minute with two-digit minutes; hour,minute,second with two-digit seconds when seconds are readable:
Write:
2,20,38
